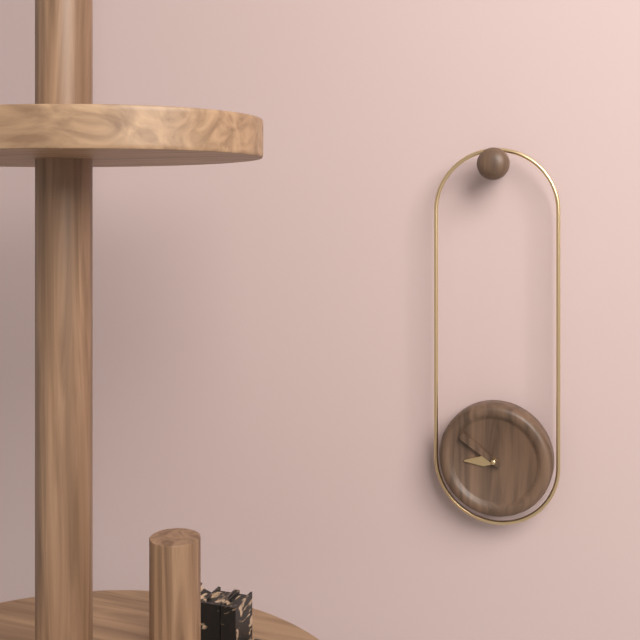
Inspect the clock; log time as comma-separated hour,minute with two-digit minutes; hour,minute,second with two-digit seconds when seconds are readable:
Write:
8,51
